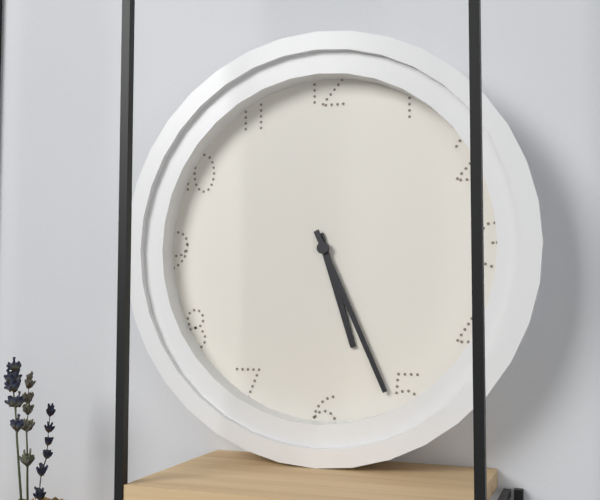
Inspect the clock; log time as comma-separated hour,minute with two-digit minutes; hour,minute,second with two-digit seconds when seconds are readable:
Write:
5,26
